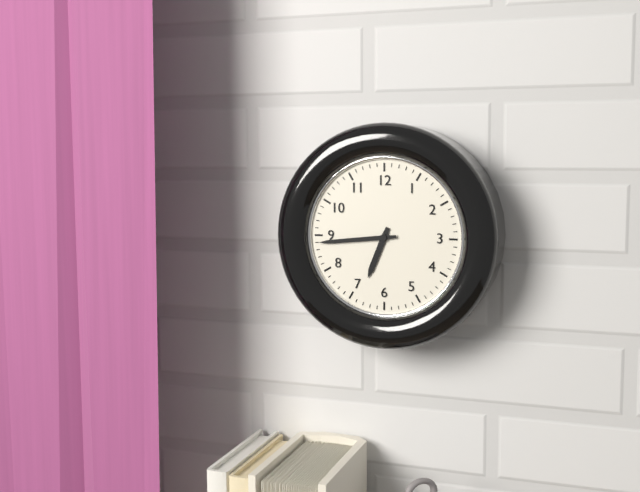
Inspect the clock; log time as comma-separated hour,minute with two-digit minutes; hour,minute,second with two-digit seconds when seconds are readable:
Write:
6,44
